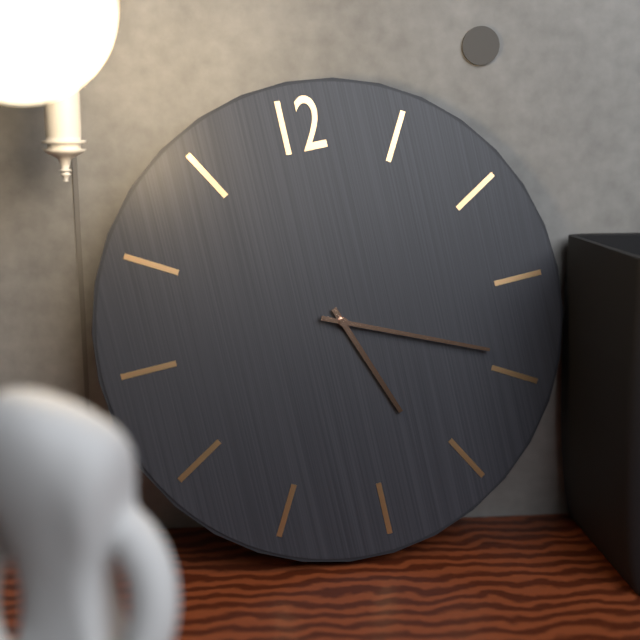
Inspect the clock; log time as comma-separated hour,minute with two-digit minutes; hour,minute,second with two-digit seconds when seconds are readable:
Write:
5,19
